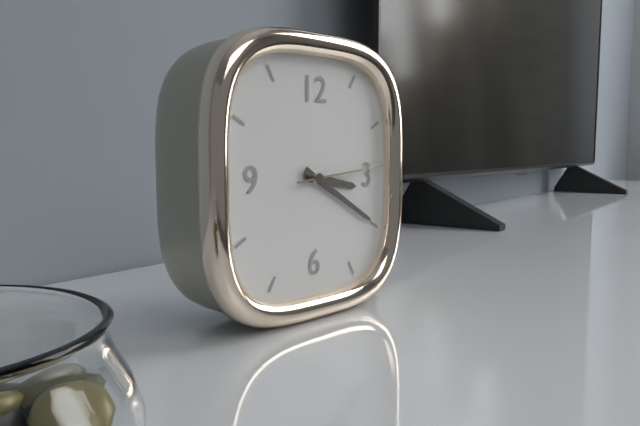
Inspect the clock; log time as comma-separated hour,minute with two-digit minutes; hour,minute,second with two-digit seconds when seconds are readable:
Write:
3,20,14
